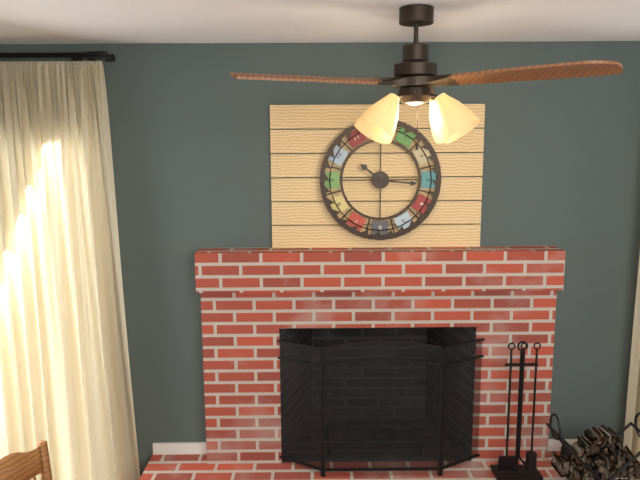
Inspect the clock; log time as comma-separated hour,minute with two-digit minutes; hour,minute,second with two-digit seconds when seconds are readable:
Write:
10,16
